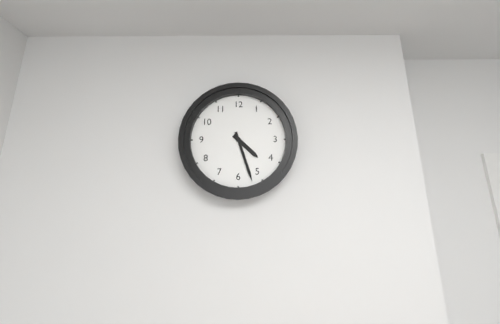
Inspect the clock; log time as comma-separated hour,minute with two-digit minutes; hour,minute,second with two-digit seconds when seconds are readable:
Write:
4,27
